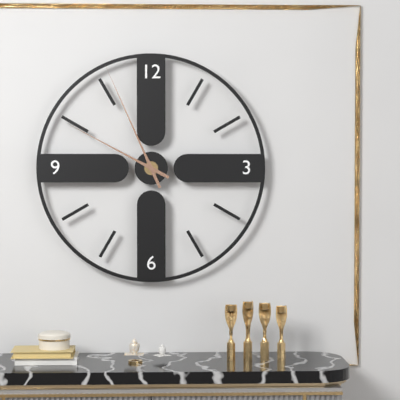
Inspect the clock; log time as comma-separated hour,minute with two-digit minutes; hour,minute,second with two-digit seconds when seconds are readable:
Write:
9,56
